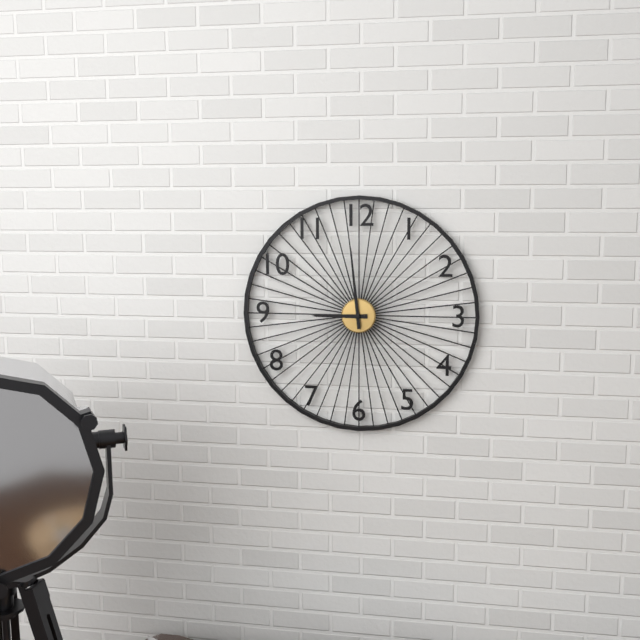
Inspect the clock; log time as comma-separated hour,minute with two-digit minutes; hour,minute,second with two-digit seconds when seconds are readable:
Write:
8,59
